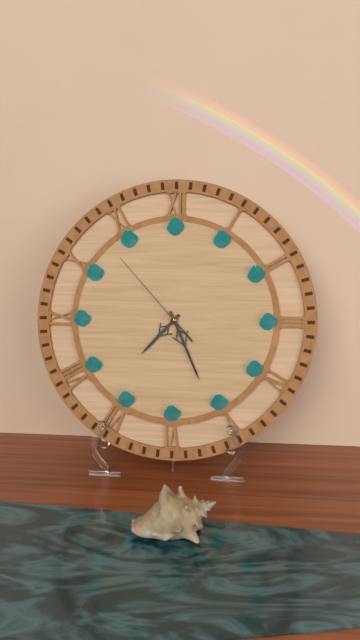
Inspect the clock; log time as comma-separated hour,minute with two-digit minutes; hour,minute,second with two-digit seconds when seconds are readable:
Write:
7,26,53
